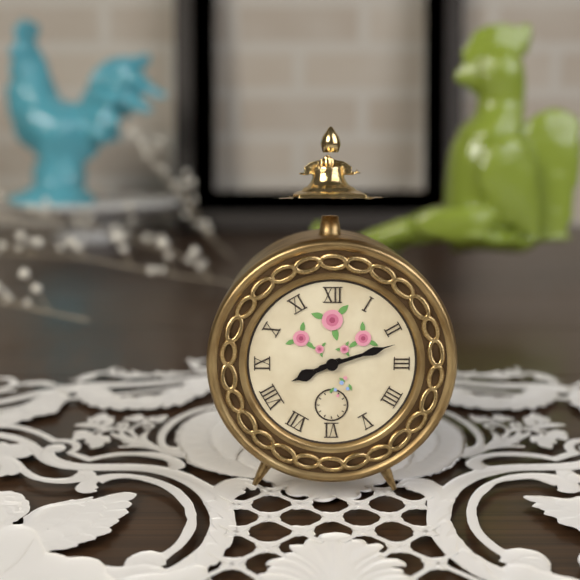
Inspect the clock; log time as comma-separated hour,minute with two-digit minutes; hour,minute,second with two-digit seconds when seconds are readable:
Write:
8,12
